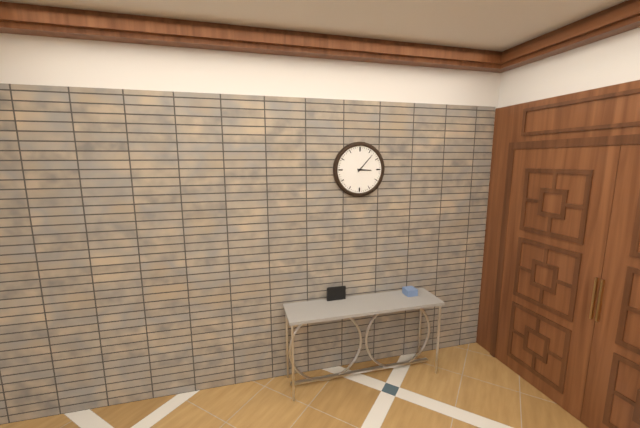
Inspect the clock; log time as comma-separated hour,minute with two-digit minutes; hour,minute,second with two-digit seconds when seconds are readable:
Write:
3,07
